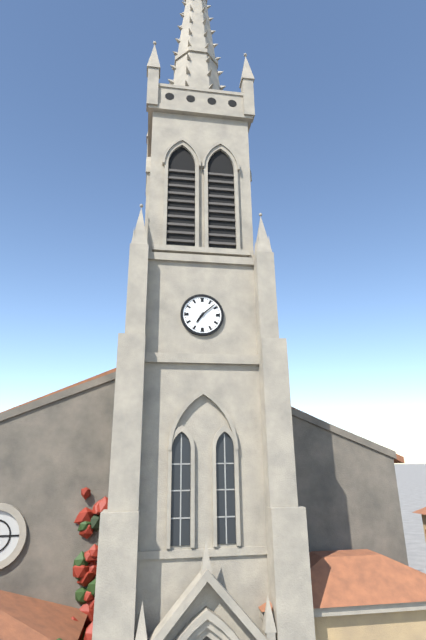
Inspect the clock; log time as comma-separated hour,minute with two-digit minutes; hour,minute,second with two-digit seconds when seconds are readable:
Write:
7,08
